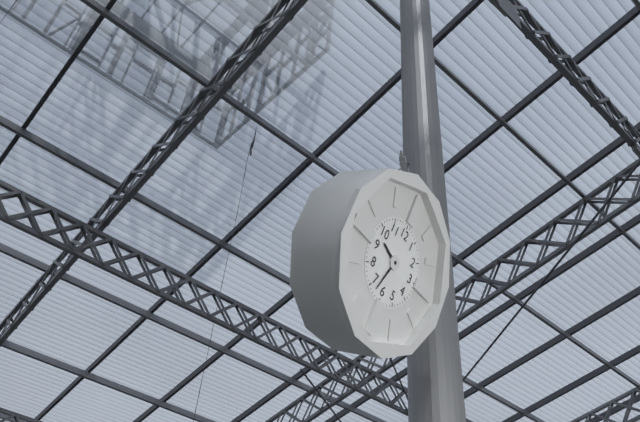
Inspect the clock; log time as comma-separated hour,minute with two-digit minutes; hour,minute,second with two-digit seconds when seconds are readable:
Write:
9,33
